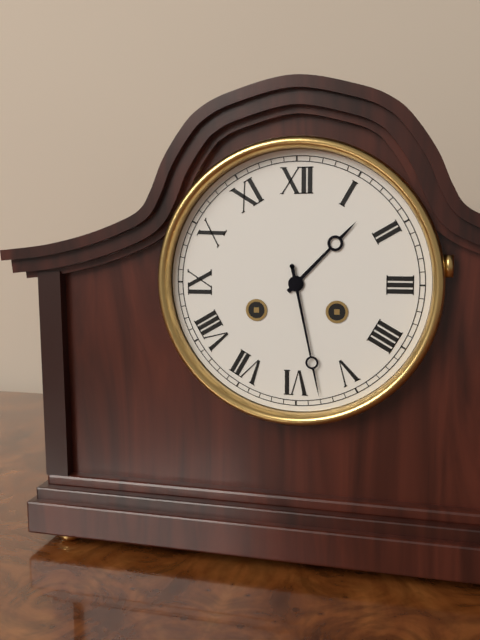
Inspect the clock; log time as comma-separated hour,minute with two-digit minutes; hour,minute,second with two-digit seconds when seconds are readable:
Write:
1,28
